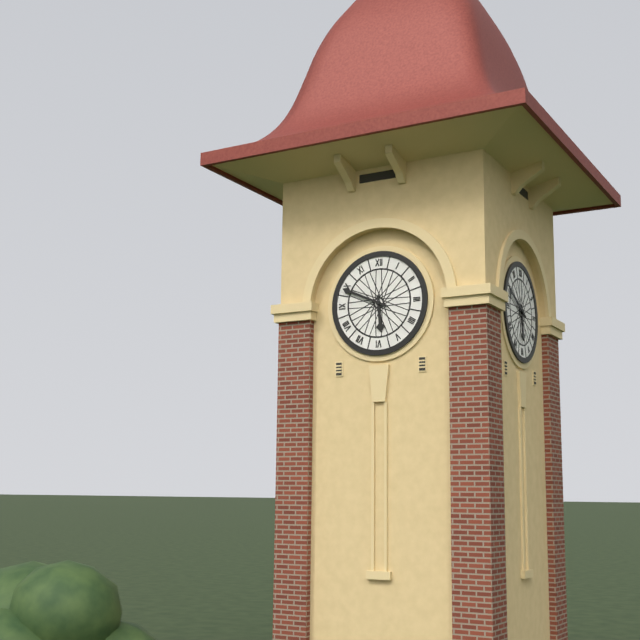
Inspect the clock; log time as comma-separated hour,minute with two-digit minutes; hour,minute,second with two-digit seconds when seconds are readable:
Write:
5,49
